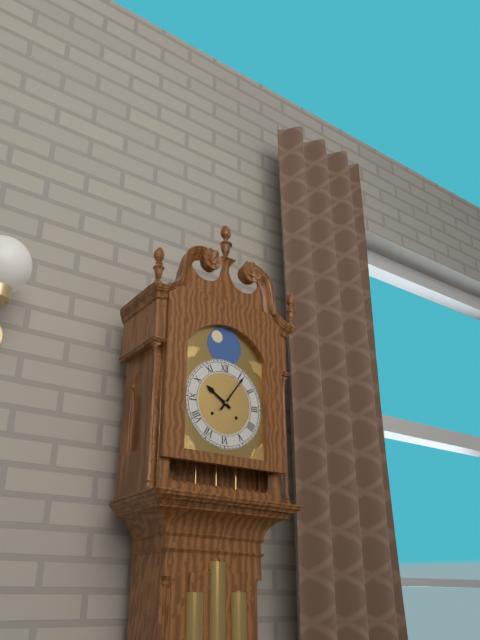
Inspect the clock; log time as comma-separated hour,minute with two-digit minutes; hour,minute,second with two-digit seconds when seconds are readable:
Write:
10,06
